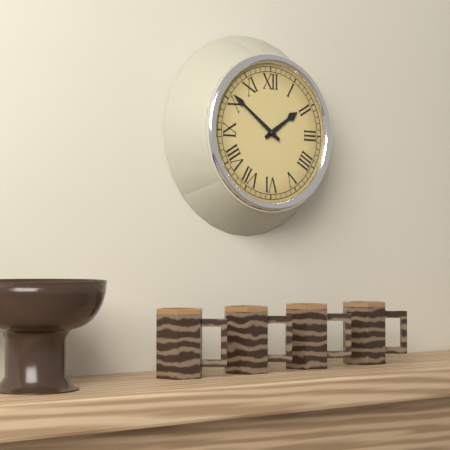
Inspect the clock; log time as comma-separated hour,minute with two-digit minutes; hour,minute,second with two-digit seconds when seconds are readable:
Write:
1,51
